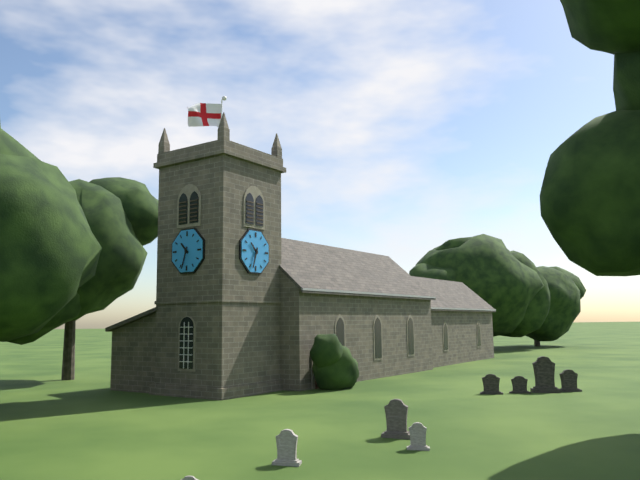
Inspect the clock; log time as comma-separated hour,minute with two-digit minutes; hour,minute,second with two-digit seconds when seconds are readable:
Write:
10,33
